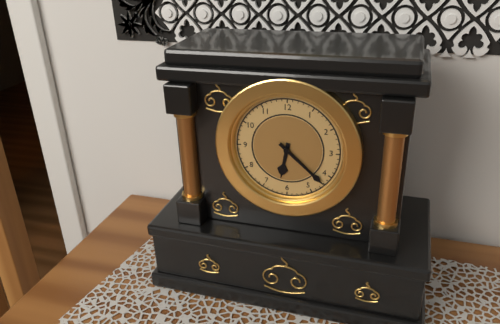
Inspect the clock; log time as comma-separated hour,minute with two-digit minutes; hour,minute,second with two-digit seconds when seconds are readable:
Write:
6,22
